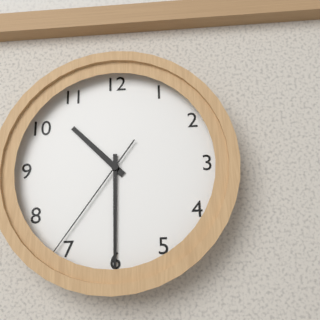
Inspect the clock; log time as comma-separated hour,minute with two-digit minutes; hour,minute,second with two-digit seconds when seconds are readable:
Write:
10,30,36
